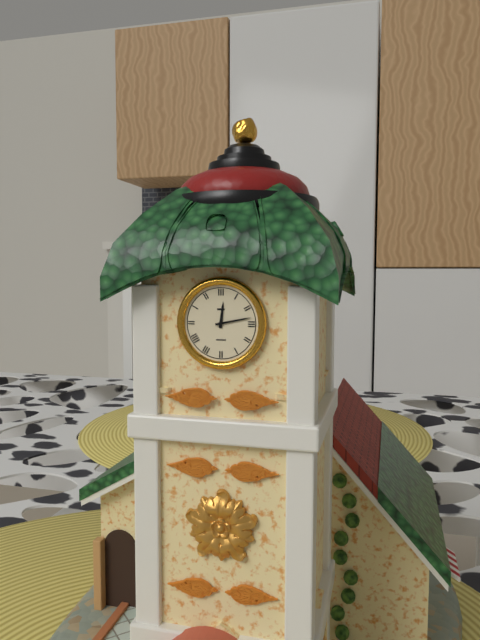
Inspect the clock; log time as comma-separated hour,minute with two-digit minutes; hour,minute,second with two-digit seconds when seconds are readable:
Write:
12,13
